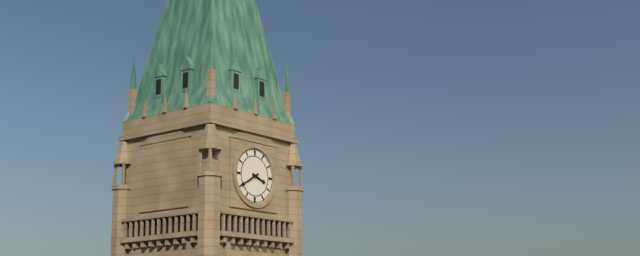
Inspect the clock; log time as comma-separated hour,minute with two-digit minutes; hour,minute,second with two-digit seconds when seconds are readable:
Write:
3,40
